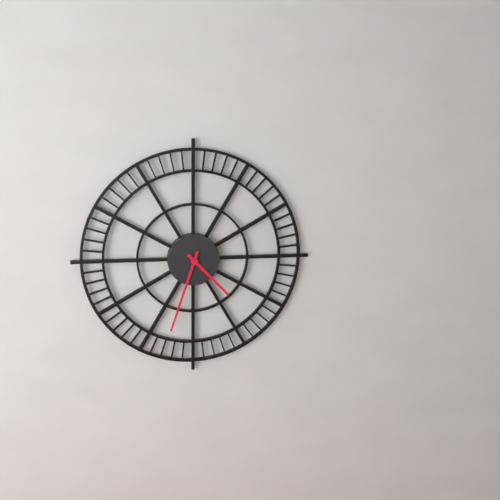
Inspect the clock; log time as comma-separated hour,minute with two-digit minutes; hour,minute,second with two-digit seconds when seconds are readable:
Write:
4,33
